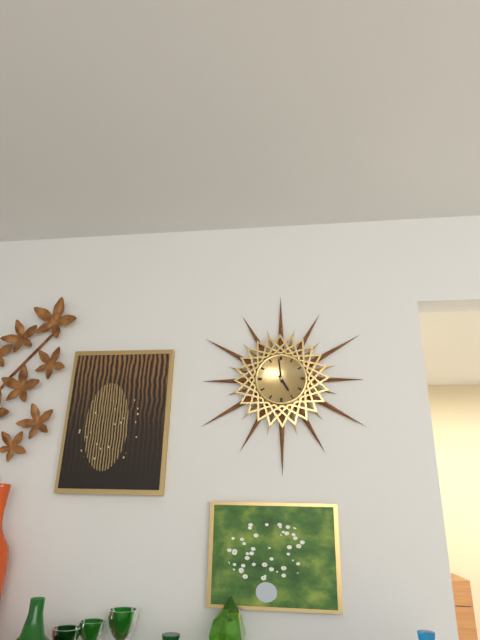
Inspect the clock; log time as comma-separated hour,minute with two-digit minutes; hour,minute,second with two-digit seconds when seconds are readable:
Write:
4,59
